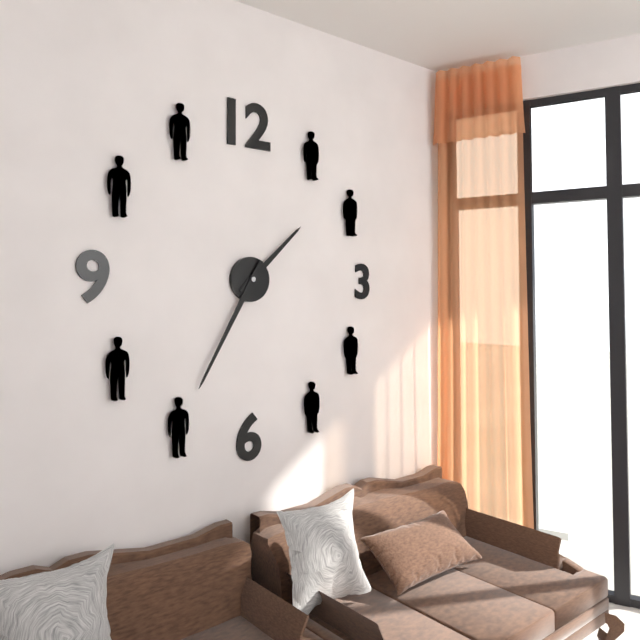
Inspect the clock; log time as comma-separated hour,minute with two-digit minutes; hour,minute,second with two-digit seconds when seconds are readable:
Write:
1,35
